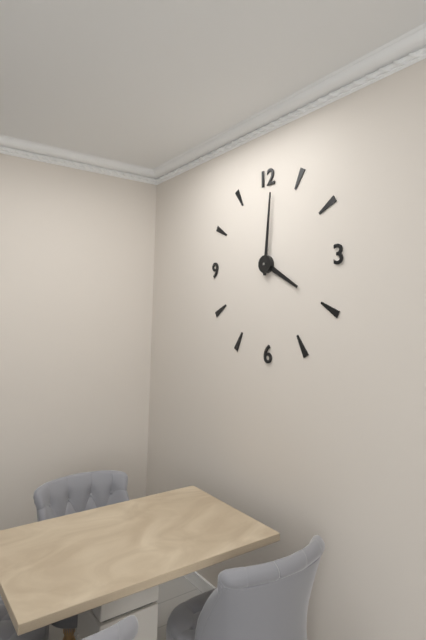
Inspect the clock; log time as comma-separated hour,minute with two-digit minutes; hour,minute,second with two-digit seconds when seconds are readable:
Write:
4,01
